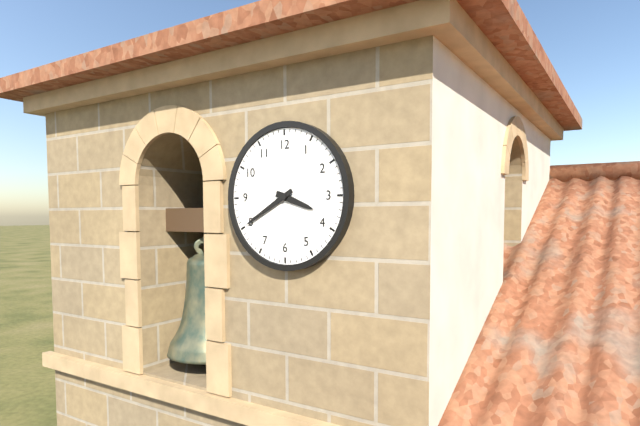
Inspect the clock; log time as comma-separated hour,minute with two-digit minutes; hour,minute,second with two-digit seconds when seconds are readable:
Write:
3,40
